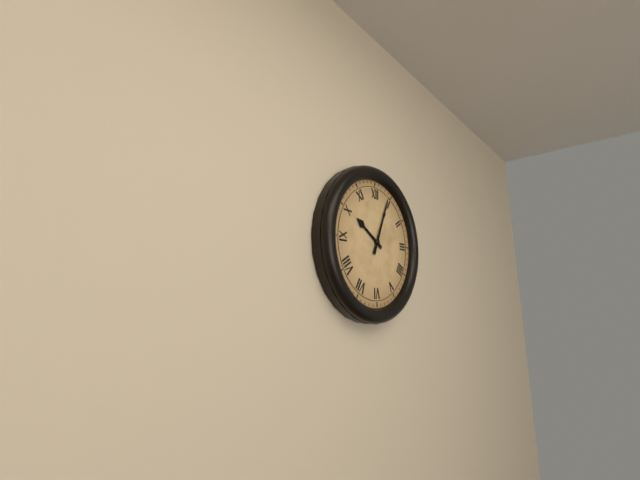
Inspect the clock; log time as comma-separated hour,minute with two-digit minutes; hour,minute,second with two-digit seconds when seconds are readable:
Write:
10,04
